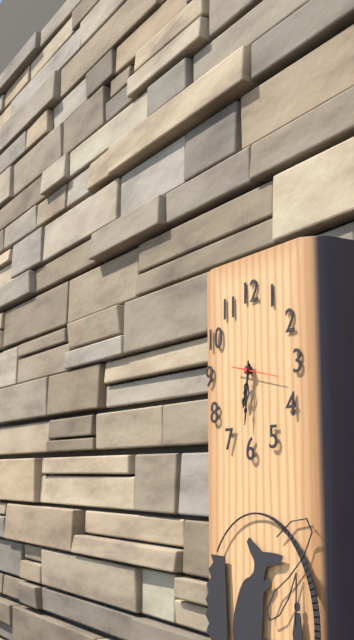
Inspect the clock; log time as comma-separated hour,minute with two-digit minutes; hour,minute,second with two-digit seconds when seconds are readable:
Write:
6,31
